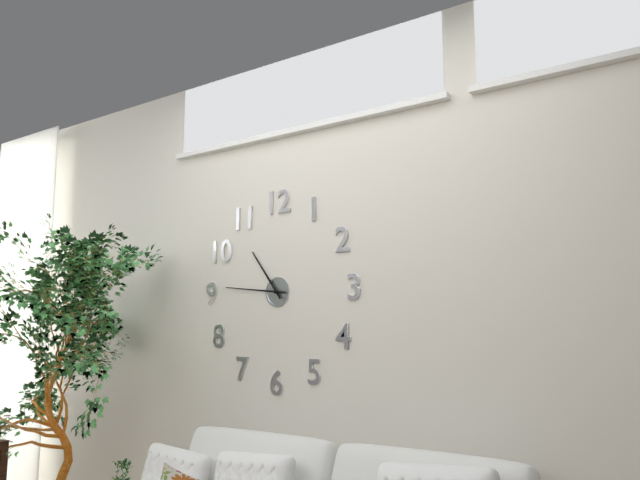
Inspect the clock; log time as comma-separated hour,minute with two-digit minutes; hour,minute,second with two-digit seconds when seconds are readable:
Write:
10,46
